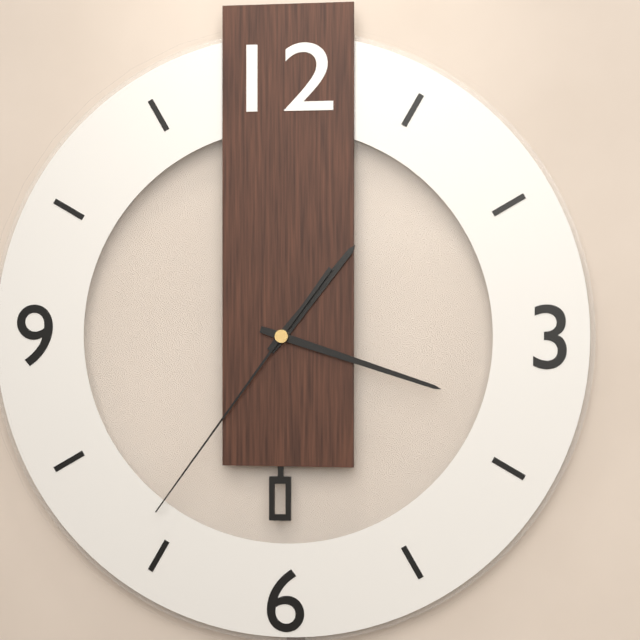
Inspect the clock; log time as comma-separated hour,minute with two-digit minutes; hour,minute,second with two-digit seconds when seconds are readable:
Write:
1,18,36
